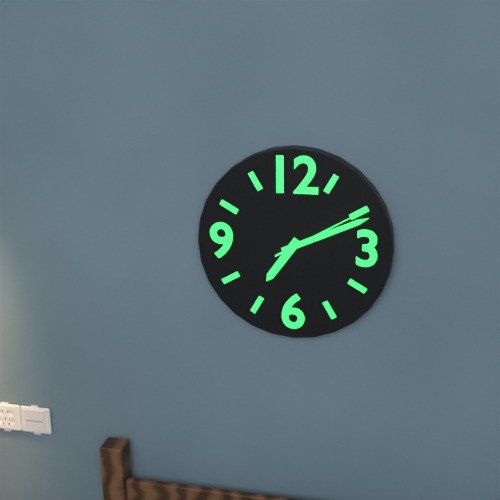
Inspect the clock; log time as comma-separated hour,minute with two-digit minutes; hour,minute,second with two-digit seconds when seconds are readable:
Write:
7,11,10
